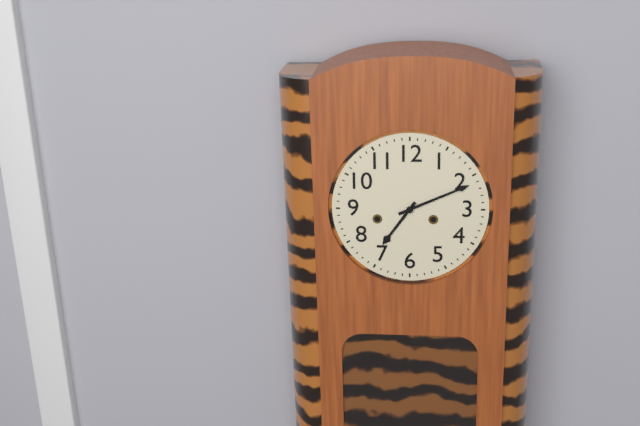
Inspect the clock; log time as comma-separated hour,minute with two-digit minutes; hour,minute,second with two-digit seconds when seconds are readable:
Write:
7,11
